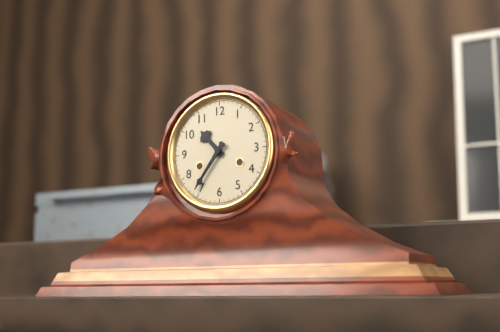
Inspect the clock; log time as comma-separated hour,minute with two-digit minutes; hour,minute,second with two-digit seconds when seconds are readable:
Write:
10,36
